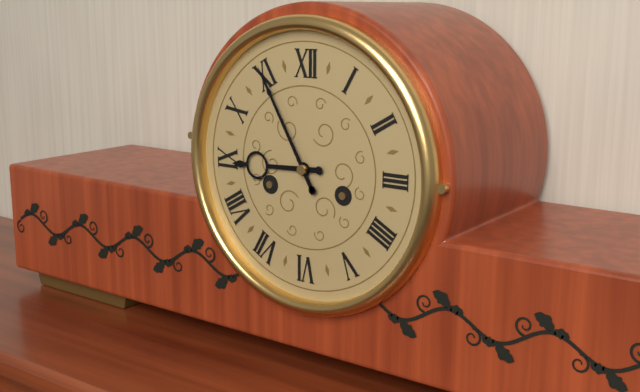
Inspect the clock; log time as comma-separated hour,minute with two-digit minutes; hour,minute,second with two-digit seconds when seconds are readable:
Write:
8,55
